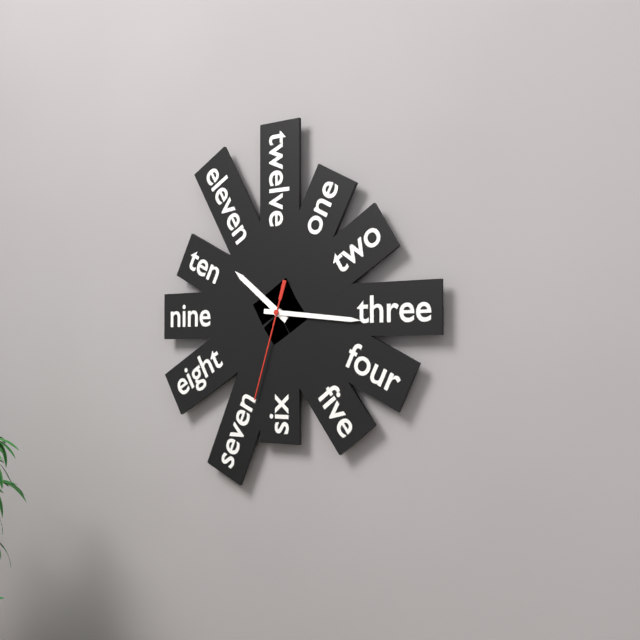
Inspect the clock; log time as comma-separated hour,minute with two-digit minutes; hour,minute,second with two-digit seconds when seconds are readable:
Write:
10,16,33
